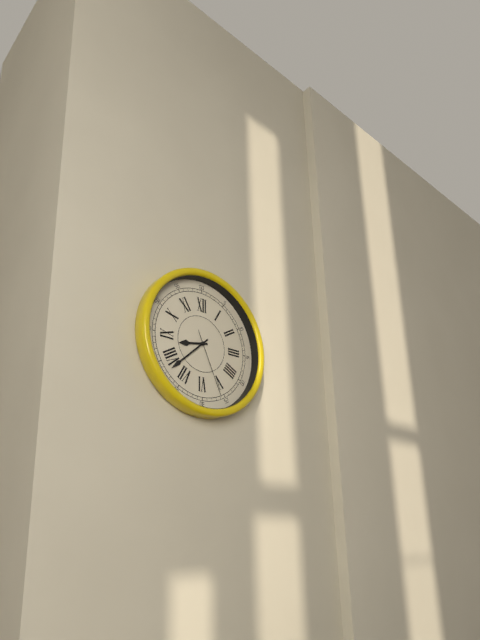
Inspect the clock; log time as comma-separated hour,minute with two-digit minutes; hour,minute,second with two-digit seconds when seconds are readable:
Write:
8,38,26
